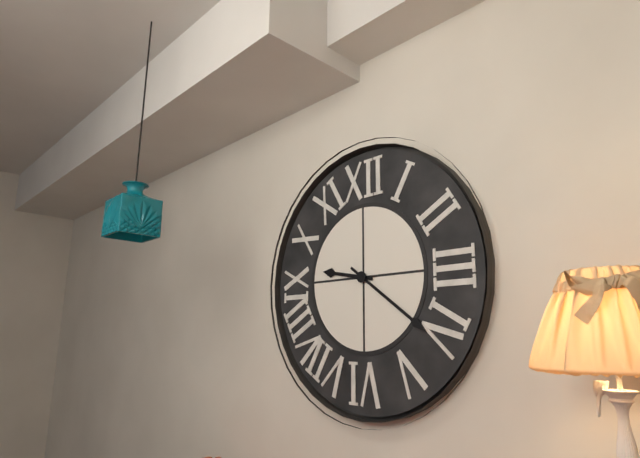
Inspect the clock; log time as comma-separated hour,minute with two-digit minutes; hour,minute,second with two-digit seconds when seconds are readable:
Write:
9,21
